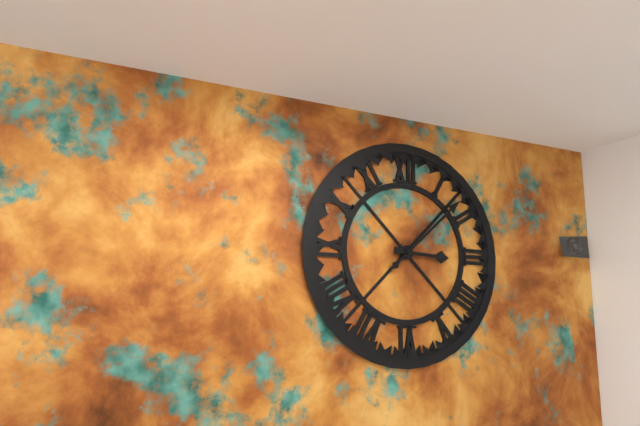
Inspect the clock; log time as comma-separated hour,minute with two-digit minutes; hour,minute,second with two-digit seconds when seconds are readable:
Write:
3,08
